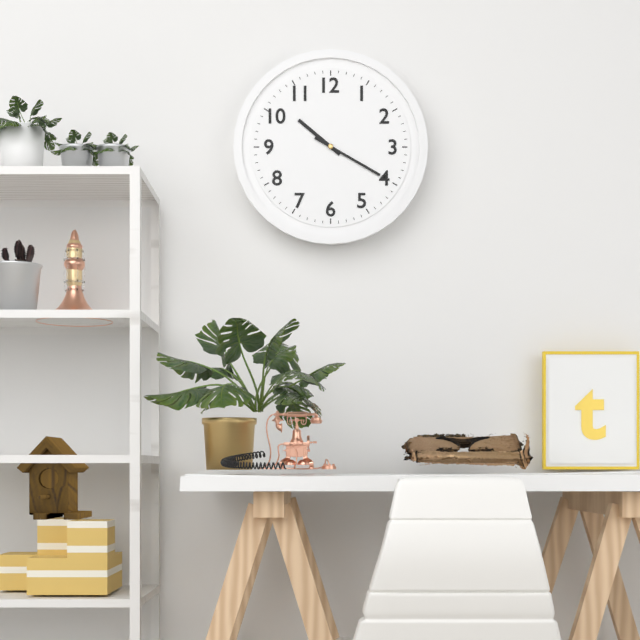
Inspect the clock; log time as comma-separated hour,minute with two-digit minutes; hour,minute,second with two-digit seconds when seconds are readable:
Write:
10,20
